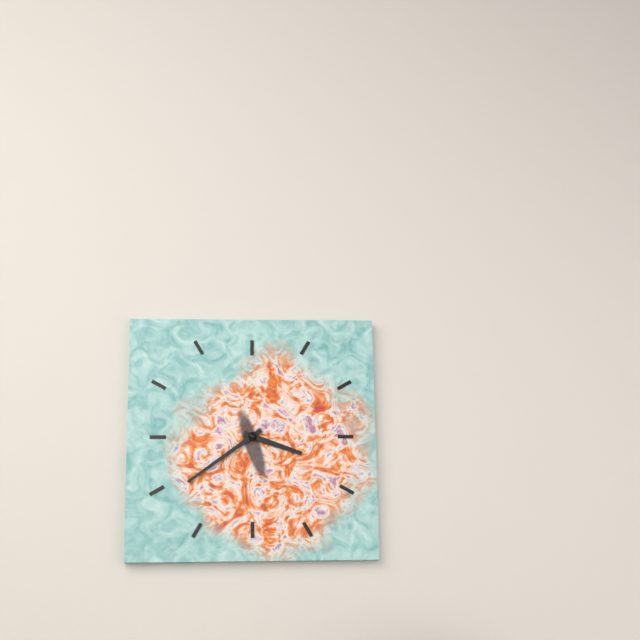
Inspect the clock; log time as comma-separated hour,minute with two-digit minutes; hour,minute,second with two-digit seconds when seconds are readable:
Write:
3,39
